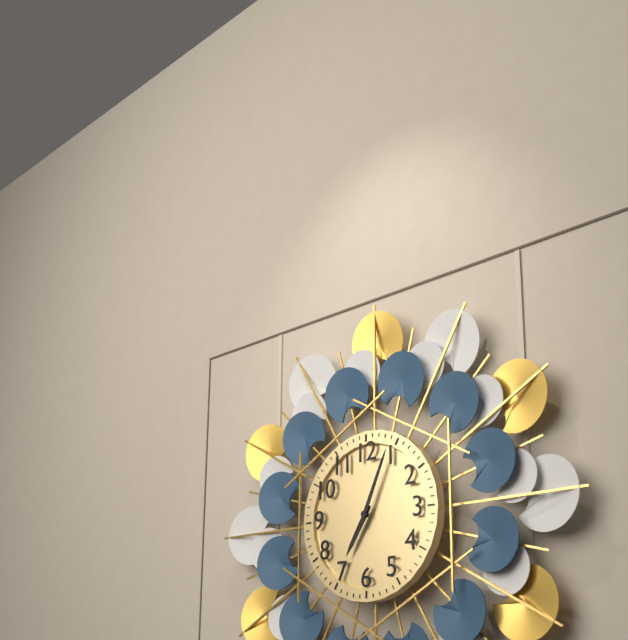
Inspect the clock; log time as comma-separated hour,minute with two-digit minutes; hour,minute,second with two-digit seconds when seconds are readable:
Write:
7,04
